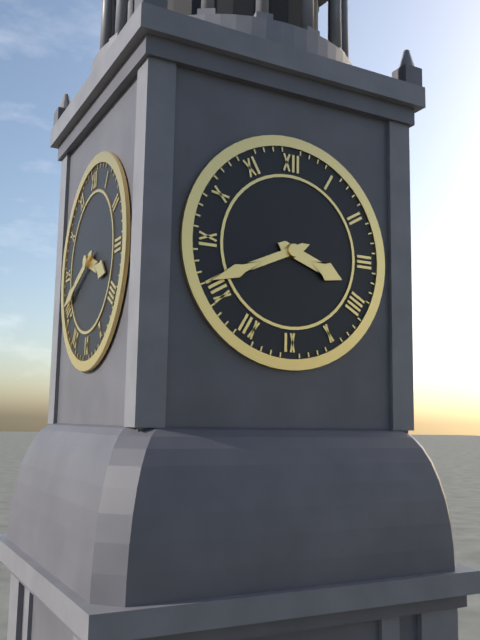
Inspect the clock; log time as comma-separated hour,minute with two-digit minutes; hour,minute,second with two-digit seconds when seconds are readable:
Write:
3,41
